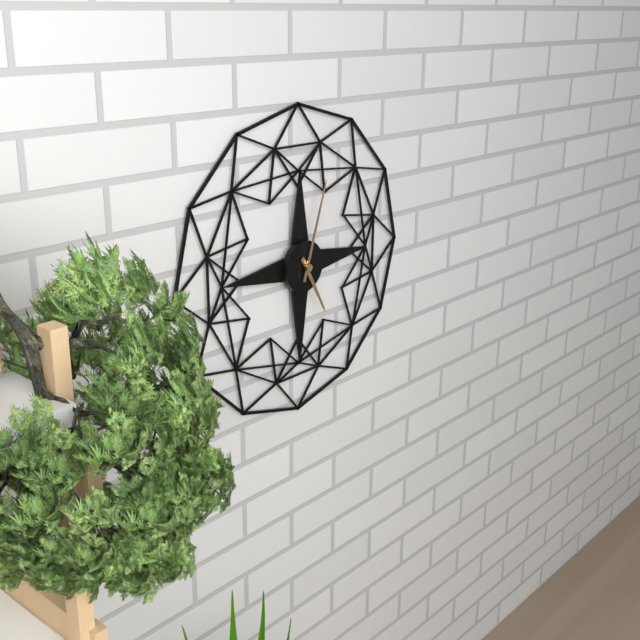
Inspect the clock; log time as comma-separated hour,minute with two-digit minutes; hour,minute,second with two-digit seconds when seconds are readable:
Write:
5,03
